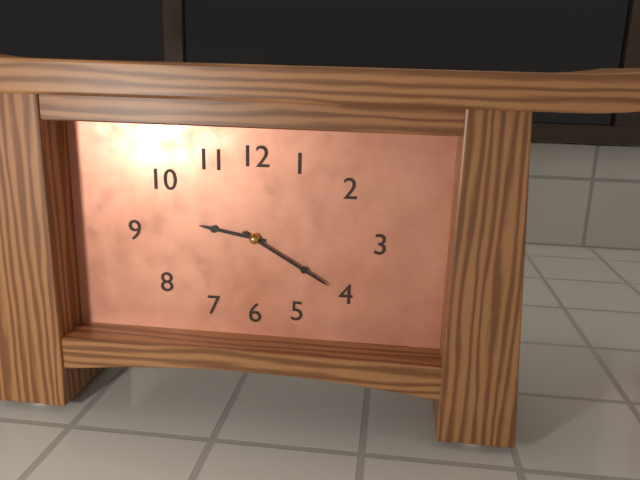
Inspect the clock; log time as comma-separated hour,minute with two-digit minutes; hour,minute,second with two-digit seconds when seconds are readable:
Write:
9,20
